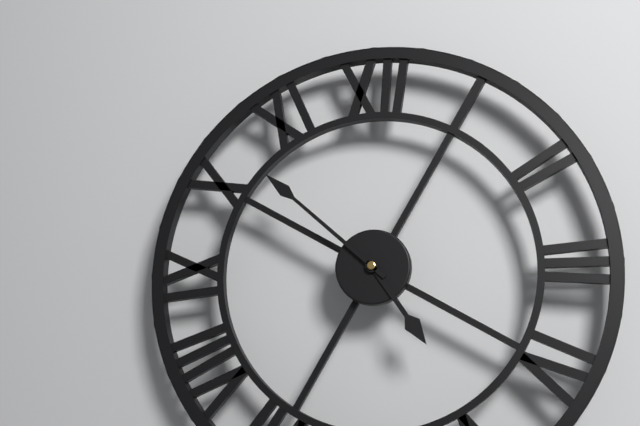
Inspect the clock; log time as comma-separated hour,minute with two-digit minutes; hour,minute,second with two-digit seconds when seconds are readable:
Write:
4,52
